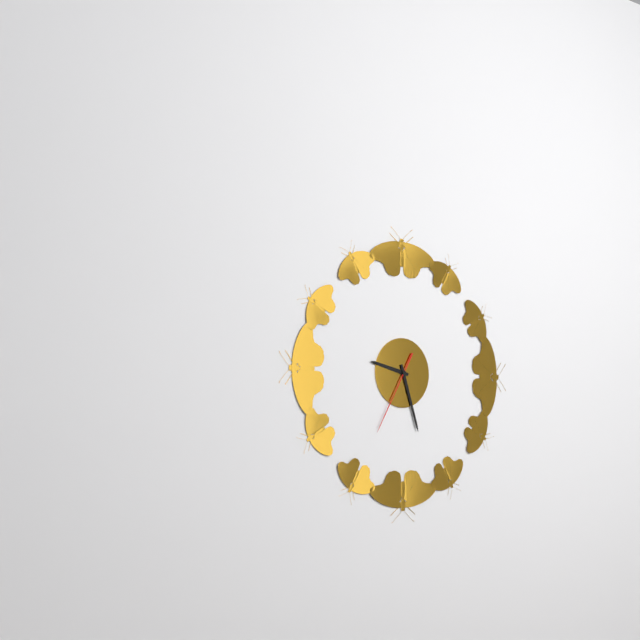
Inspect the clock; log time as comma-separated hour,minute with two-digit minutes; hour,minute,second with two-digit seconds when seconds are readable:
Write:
9,27,35
